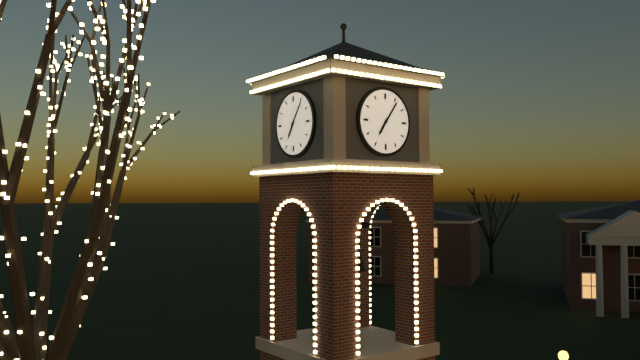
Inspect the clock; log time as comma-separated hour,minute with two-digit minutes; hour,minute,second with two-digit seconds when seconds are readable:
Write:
7,06
